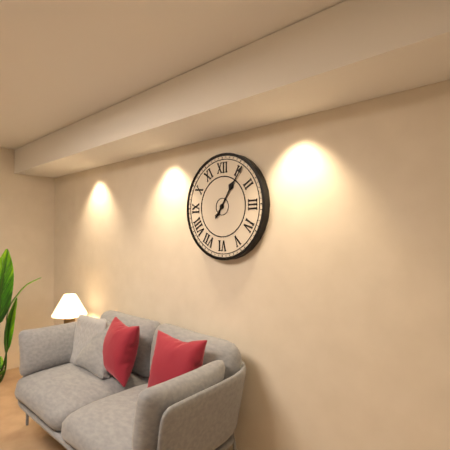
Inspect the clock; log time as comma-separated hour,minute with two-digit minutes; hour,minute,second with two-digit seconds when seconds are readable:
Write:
1,06
